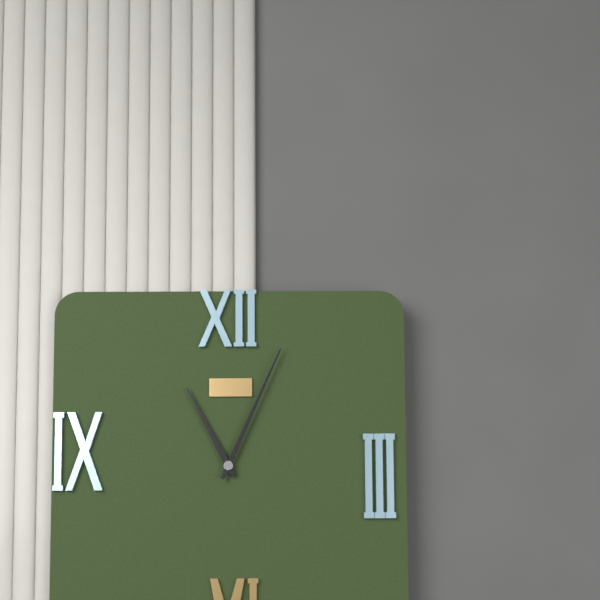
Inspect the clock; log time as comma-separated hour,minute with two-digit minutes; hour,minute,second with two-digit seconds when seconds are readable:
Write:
11,04
